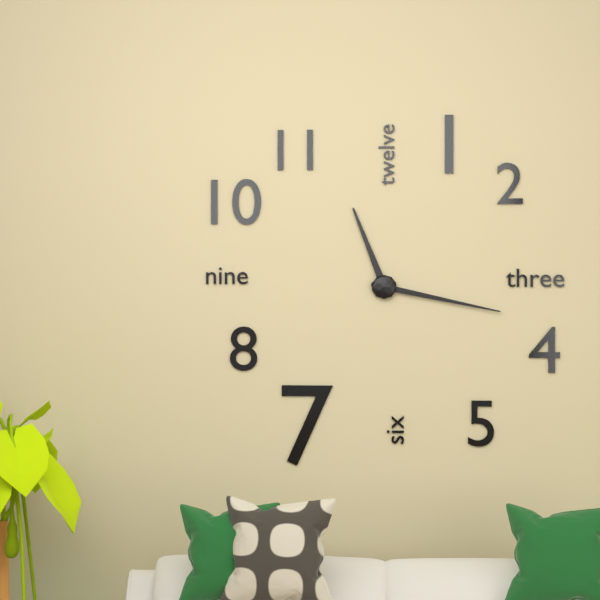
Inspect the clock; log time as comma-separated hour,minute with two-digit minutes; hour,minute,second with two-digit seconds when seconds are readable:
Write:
11,17
